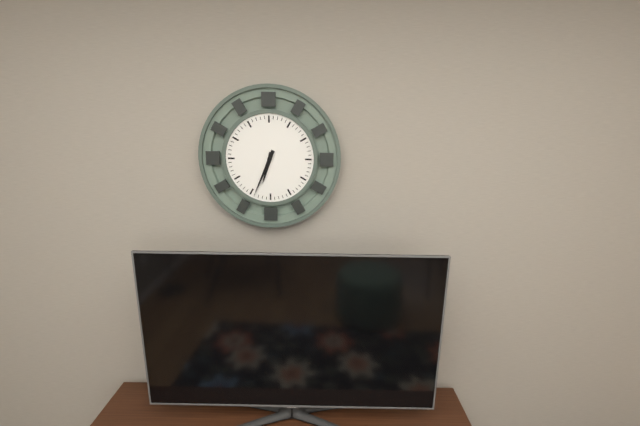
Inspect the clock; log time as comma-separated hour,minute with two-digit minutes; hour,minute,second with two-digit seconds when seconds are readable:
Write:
6,34
